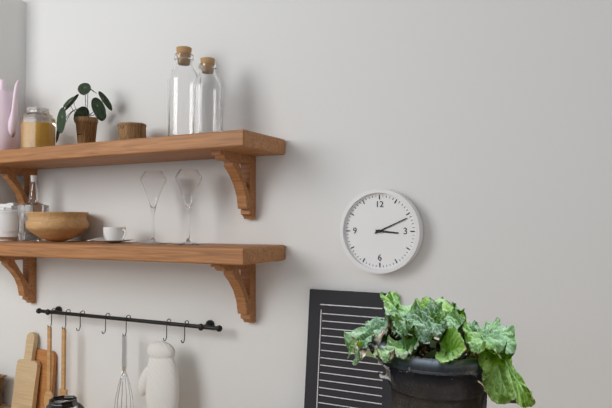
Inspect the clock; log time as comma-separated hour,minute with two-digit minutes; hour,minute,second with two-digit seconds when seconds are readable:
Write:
3,11
